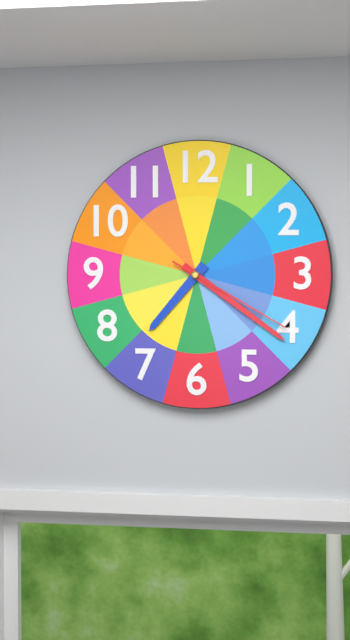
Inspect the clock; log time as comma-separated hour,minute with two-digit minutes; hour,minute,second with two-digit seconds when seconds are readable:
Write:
7,21,20
